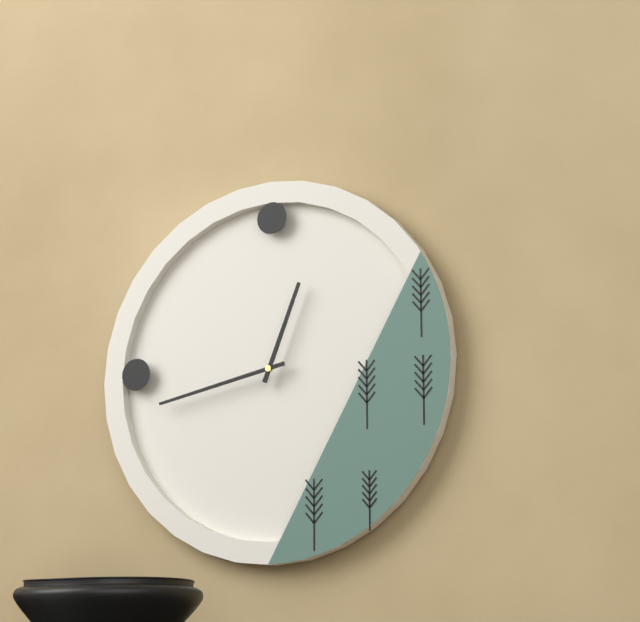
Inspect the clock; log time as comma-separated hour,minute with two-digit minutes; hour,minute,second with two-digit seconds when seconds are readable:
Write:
12,43
